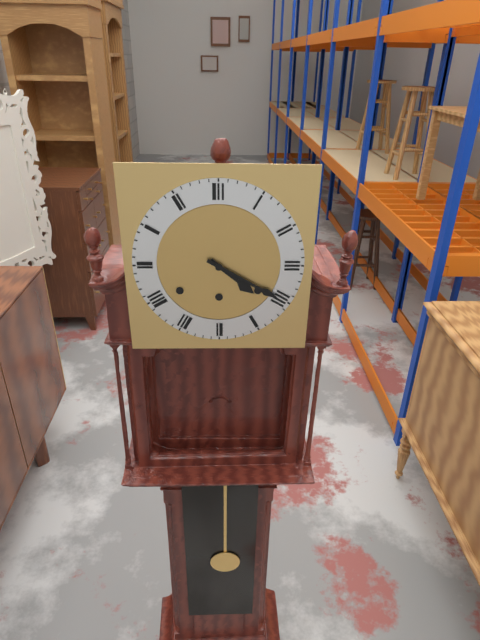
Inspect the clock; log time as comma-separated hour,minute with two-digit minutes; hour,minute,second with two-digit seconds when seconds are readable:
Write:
4,20
